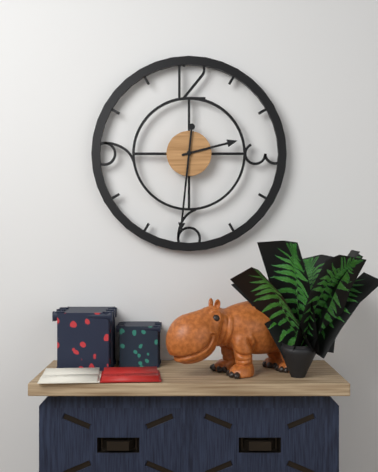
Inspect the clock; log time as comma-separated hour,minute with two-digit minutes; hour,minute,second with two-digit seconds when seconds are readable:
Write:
2,31
